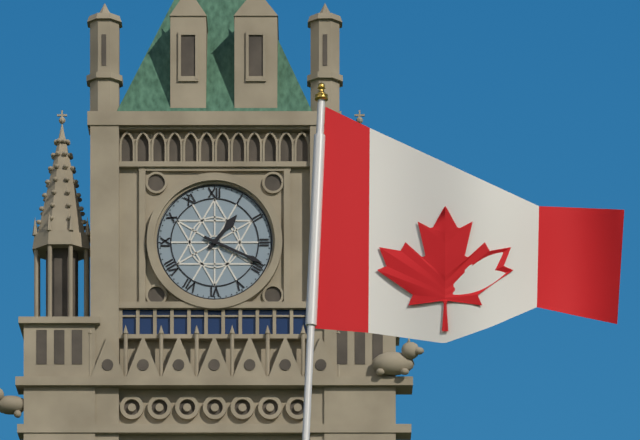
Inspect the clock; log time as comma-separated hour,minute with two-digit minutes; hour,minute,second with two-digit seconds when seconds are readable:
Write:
1,19
